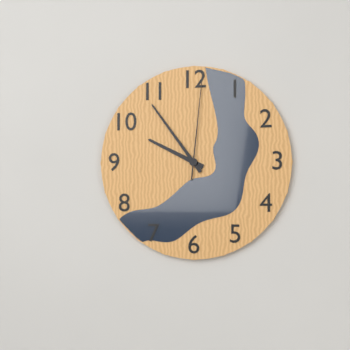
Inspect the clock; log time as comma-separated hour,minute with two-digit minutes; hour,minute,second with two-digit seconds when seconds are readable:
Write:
9,54,01
